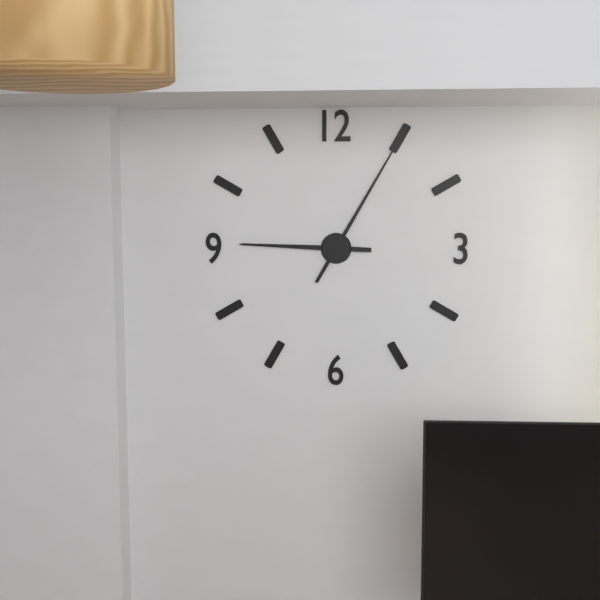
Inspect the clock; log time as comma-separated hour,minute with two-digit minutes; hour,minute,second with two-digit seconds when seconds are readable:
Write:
9,05
